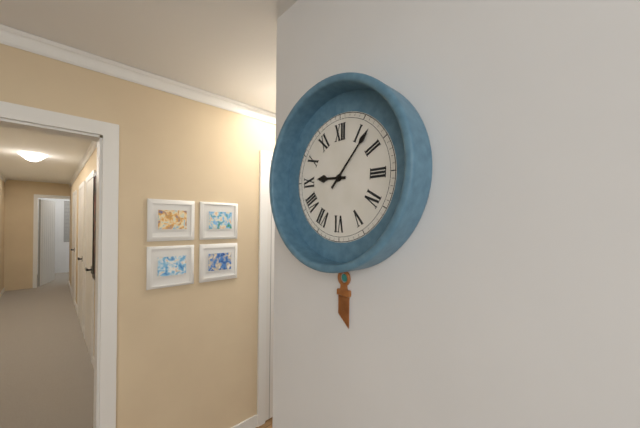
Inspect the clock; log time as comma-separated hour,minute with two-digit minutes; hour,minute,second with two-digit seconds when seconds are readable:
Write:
9,07
